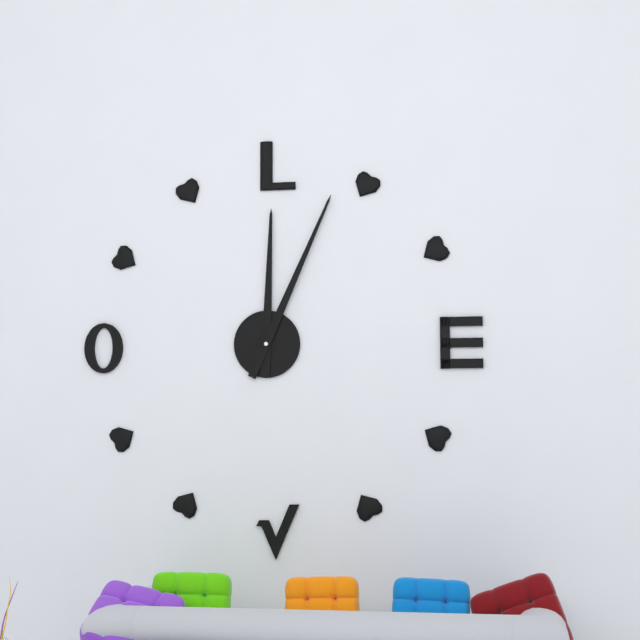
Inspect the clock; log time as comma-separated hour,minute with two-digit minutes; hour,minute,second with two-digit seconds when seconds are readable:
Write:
12,04
